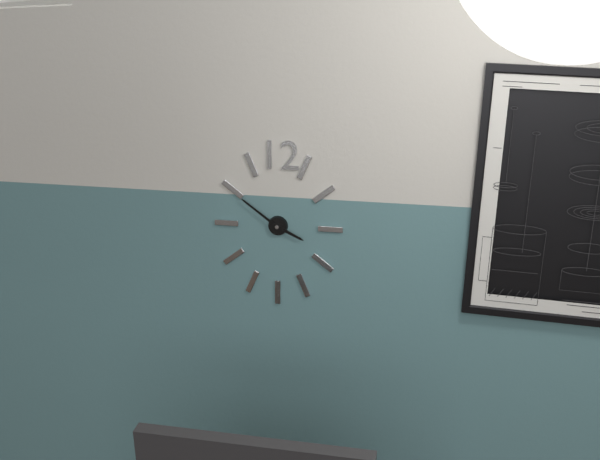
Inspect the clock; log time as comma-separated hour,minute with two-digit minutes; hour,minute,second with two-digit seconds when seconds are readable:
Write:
3,51
